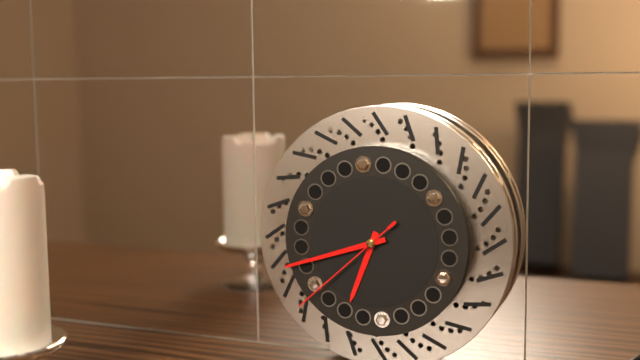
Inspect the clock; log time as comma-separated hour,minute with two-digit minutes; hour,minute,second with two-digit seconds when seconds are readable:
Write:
6,42,38
